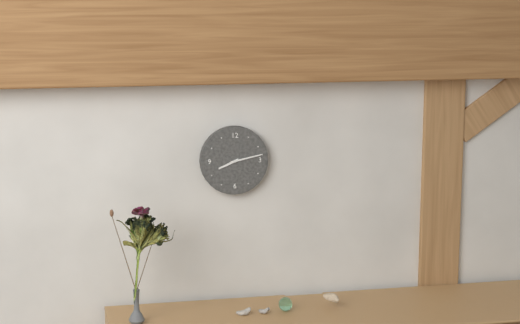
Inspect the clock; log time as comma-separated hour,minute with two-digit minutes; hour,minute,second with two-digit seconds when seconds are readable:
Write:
8,13
